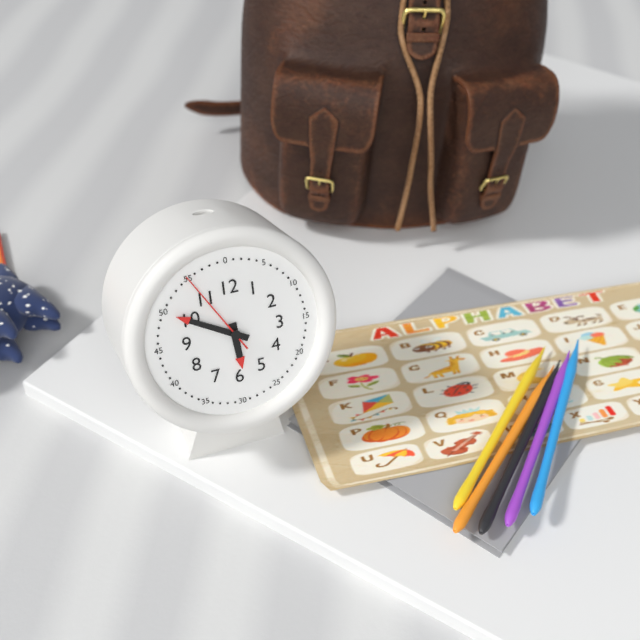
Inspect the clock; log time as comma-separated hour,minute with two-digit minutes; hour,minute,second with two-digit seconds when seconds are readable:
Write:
5,50,55
